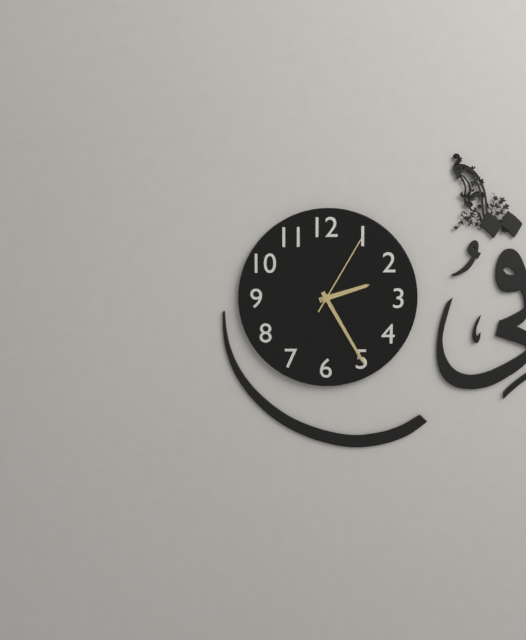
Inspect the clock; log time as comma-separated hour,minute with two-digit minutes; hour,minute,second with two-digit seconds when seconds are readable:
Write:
2,25,05
